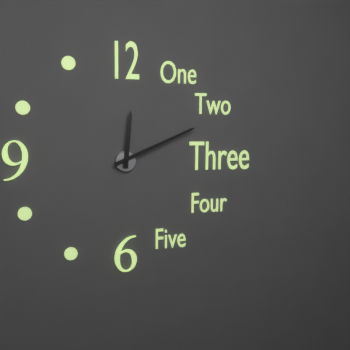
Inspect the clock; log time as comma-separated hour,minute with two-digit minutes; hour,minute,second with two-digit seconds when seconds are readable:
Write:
12,11
